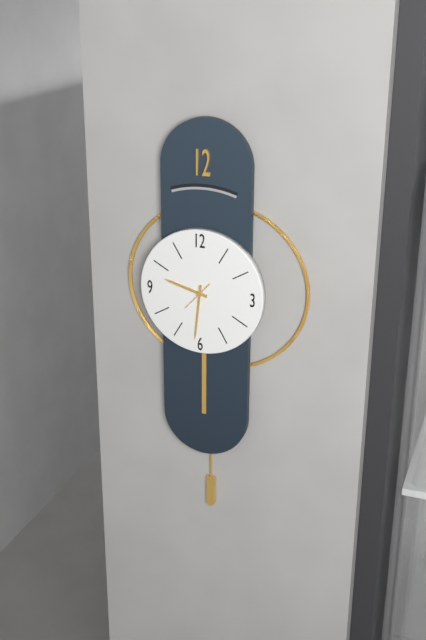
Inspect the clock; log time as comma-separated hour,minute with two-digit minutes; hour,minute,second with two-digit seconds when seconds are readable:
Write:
9,31
